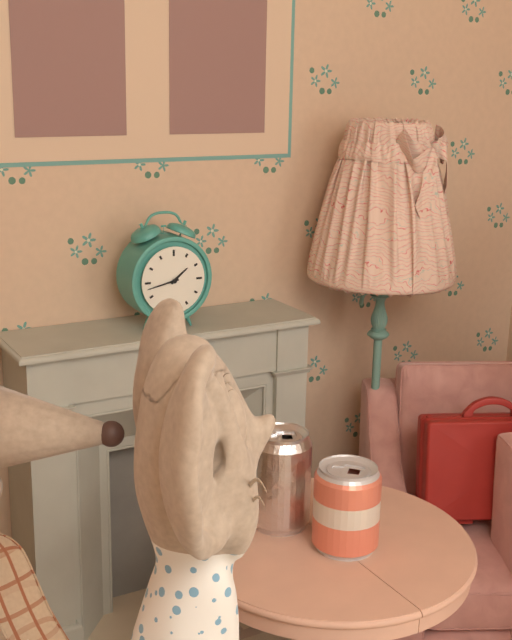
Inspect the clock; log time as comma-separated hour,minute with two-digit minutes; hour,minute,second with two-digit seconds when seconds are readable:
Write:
1,43
